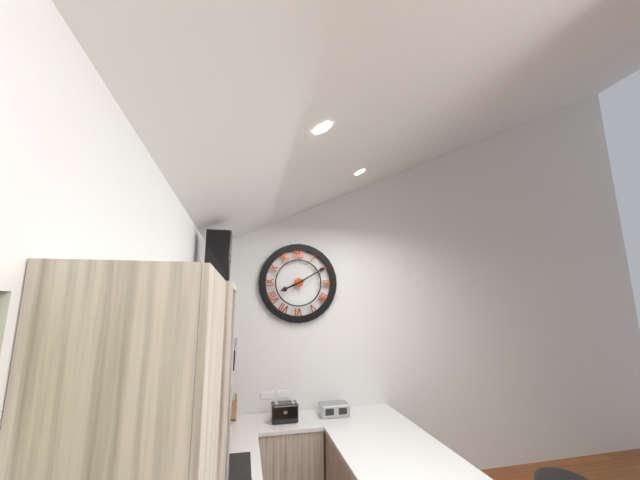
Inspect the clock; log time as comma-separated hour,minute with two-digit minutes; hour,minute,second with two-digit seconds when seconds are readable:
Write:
8,10
